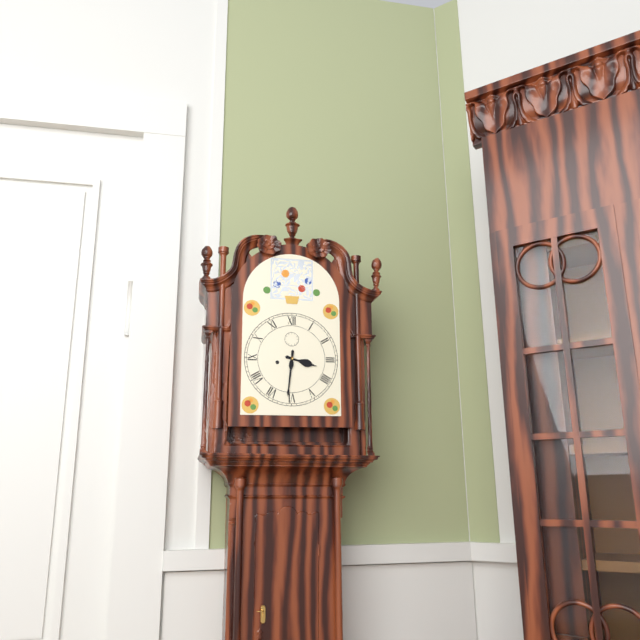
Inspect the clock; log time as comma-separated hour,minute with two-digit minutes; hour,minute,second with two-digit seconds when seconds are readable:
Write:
3,31
